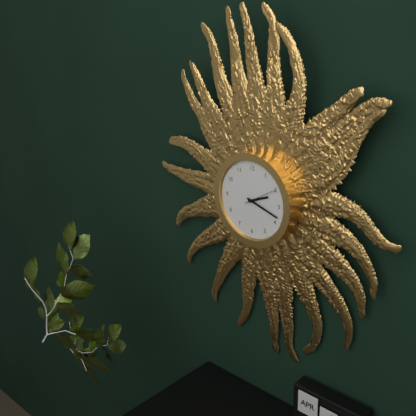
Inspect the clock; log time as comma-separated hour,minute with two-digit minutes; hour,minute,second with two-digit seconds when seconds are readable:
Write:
2,18
